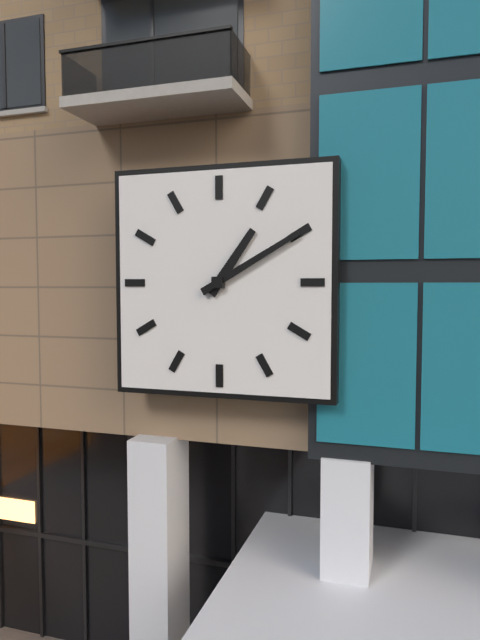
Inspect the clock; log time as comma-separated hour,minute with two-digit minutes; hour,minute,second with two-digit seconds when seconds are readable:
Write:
1,10
